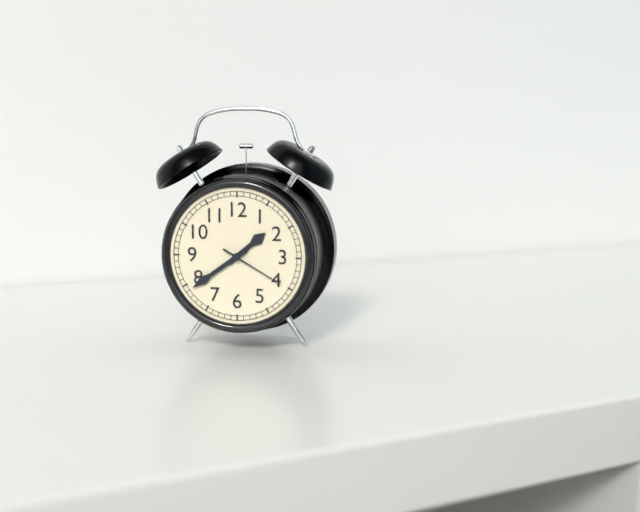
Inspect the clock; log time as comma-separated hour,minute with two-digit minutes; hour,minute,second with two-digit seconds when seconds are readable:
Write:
1,39,20
